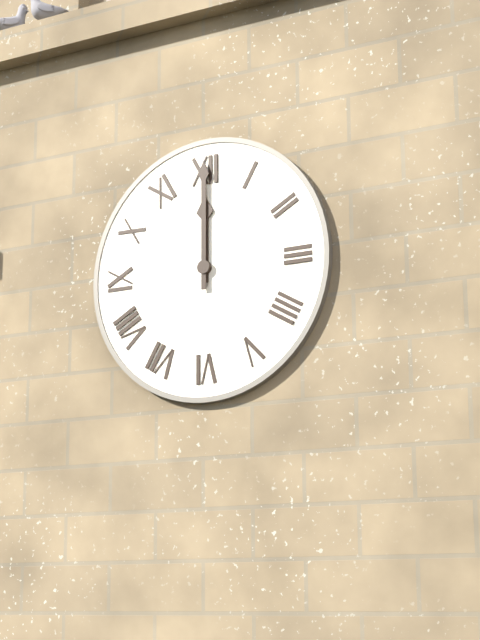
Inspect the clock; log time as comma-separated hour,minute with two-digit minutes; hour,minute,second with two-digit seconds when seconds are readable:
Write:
12,00
